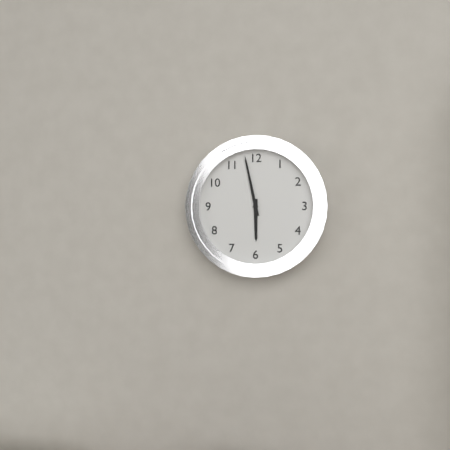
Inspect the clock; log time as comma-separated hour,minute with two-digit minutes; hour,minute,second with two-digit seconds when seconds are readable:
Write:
5,58
